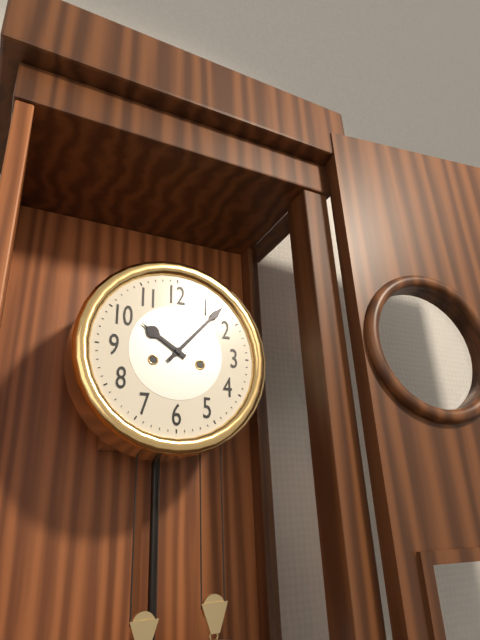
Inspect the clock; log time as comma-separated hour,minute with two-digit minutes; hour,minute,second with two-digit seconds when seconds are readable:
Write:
10,07
